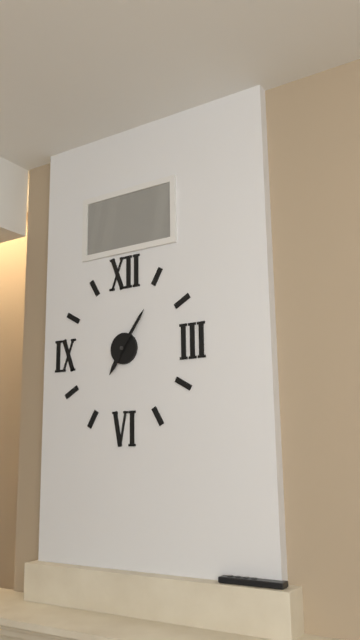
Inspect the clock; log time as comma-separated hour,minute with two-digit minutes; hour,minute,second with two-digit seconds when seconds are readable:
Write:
7,06
